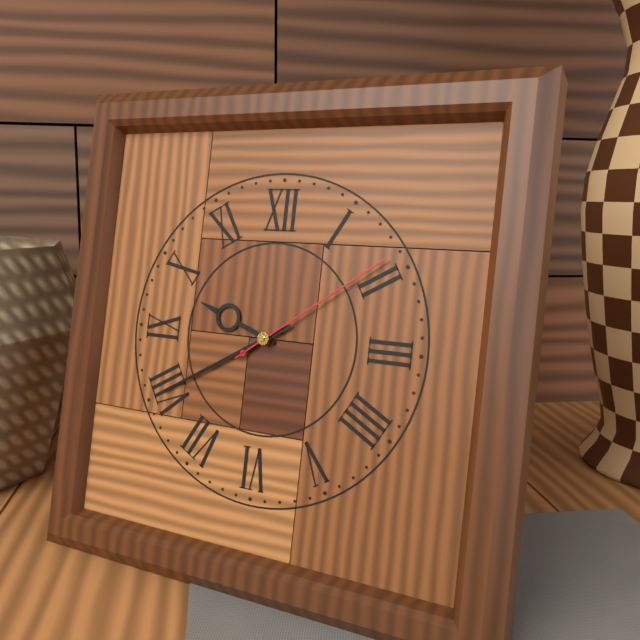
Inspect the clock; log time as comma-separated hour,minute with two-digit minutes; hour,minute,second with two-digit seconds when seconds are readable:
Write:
9,40,09
